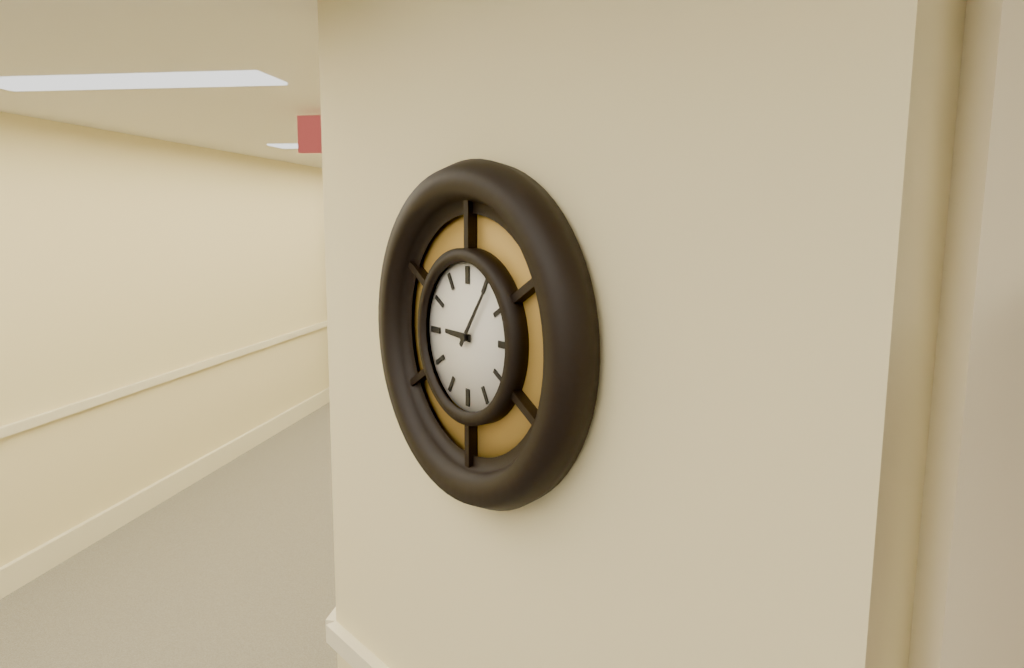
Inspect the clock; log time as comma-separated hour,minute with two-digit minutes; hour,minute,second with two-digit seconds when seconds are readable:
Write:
9,06
